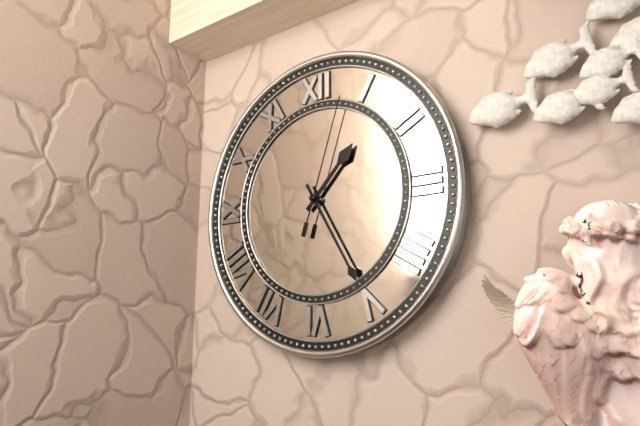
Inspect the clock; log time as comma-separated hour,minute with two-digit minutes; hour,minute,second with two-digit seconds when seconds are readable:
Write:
1,25,03
